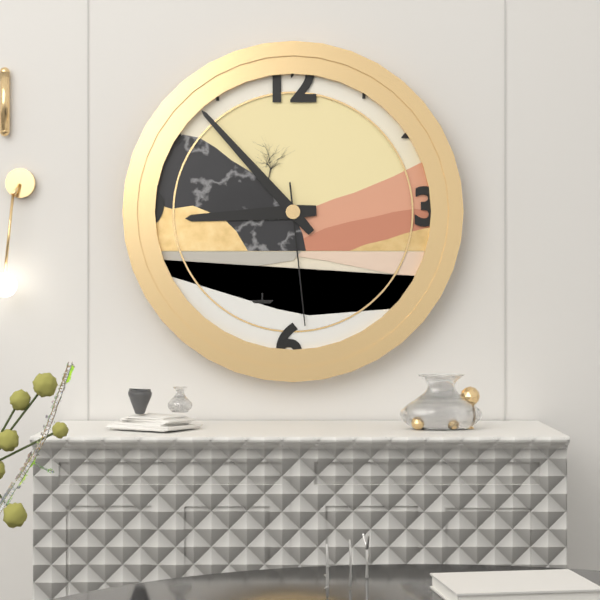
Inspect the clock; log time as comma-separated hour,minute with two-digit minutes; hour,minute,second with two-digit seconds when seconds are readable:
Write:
8,53,29
